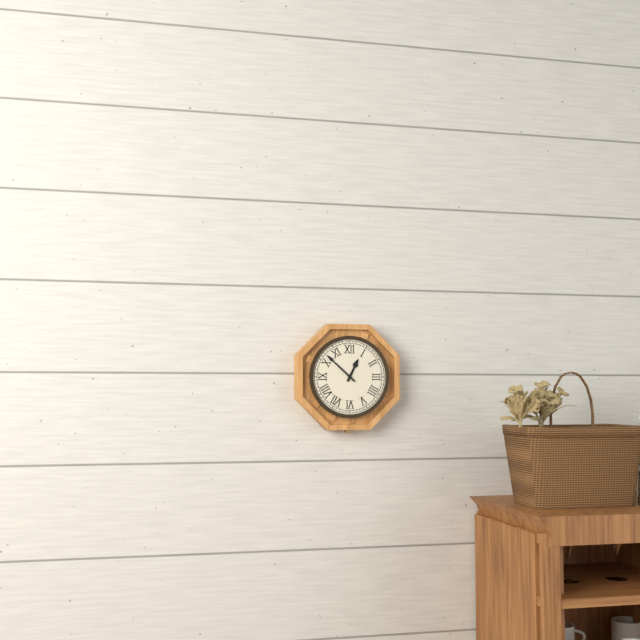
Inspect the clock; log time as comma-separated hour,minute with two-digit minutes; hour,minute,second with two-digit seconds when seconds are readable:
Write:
12,52
